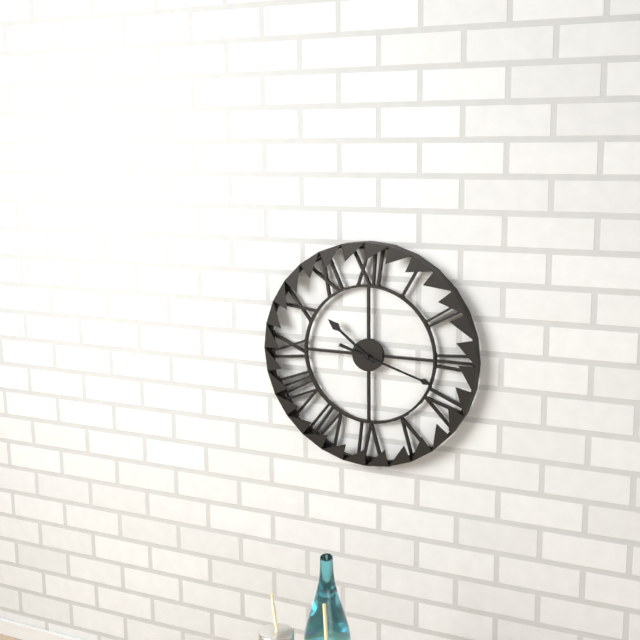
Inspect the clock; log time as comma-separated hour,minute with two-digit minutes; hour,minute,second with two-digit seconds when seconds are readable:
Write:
10,18
